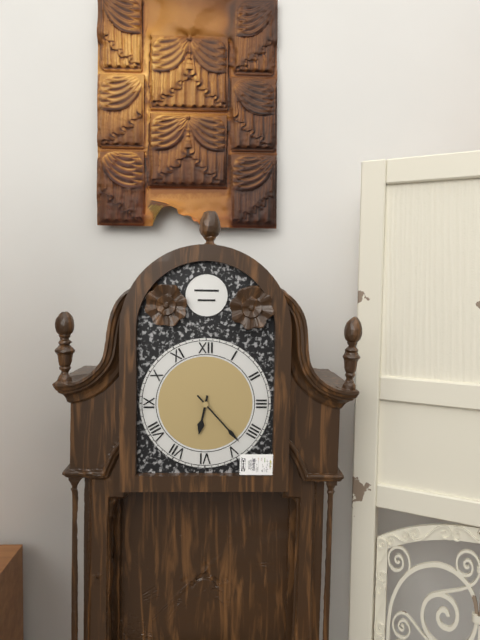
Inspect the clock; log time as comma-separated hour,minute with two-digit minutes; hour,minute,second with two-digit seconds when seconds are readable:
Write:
6,23
